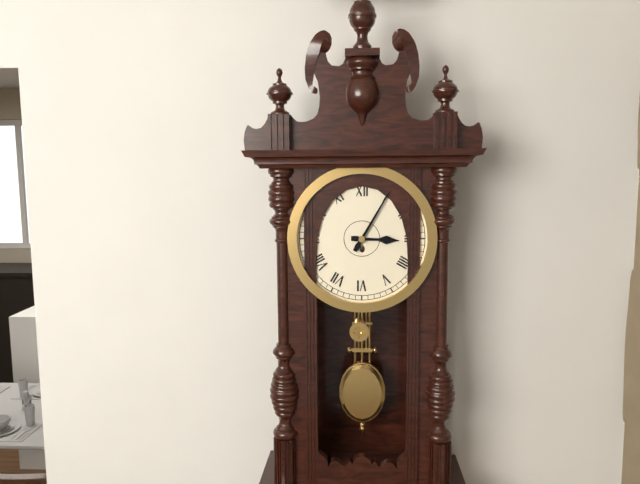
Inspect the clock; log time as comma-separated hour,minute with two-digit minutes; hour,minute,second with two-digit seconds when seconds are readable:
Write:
3,05
